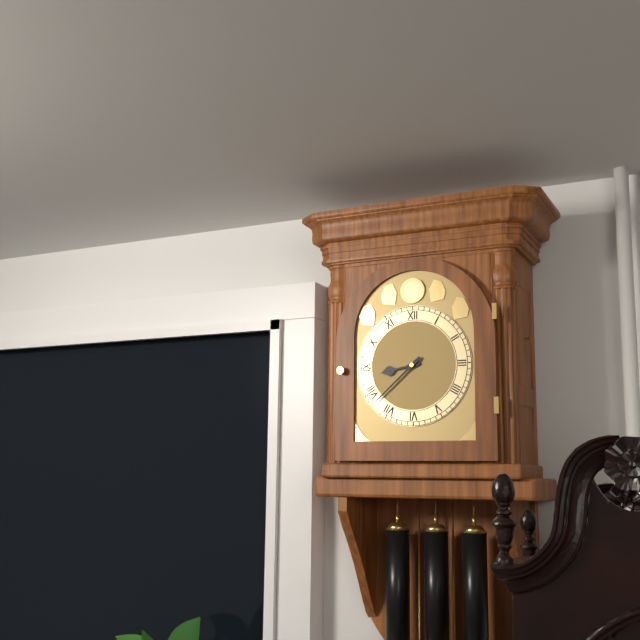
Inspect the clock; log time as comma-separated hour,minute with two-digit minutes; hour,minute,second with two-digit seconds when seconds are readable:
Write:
8,38
